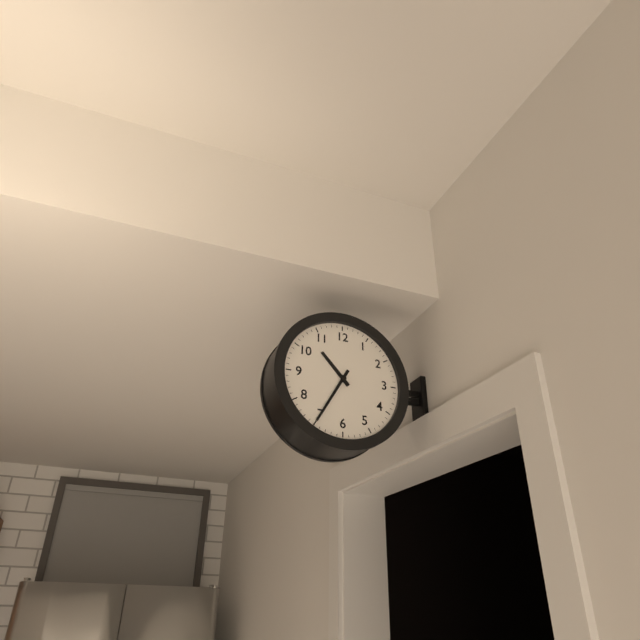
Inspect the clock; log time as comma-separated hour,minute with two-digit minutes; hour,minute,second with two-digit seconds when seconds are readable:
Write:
10,35
